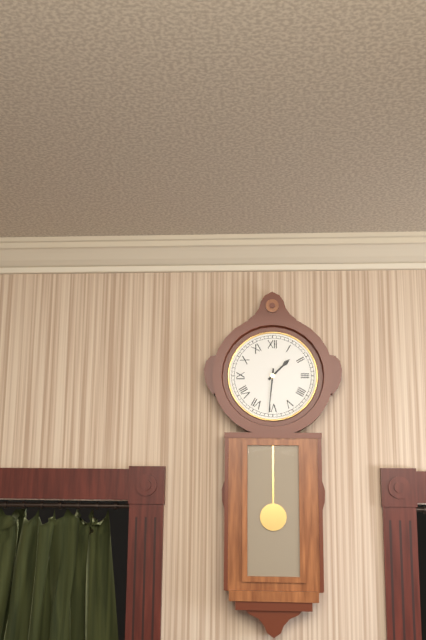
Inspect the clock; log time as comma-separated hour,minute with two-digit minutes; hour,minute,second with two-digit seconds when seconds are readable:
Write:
1,31
